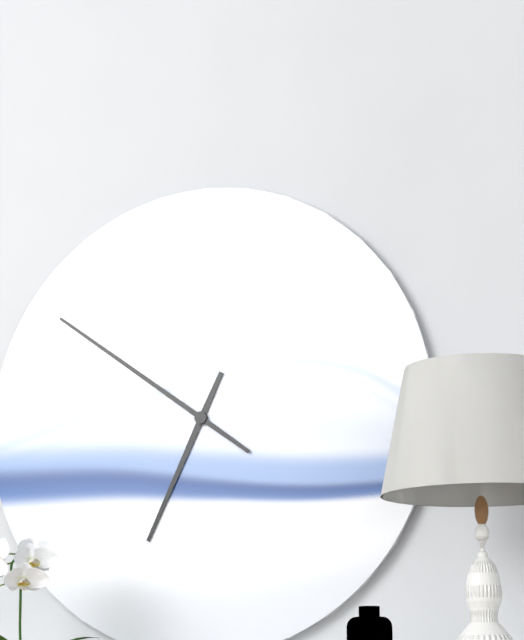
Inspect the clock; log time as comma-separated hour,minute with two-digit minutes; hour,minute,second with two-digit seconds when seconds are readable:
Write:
6,51
